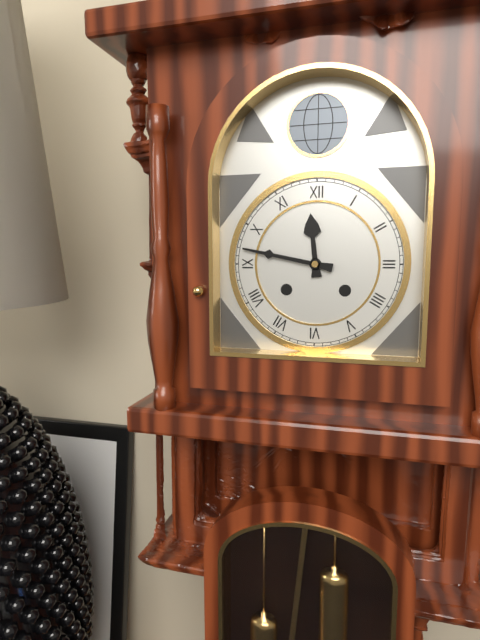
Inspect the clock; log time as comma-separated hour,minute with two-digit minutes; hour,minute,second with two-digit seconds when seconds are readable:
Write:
11,47
